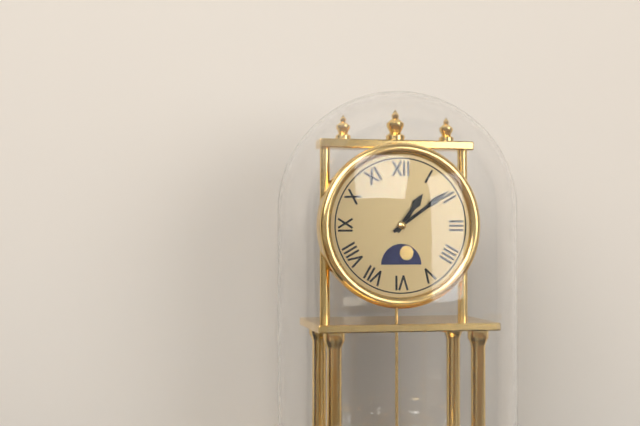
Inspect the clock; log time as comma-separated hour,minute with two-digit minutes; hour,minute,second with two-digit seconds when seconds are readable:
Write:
1,09
